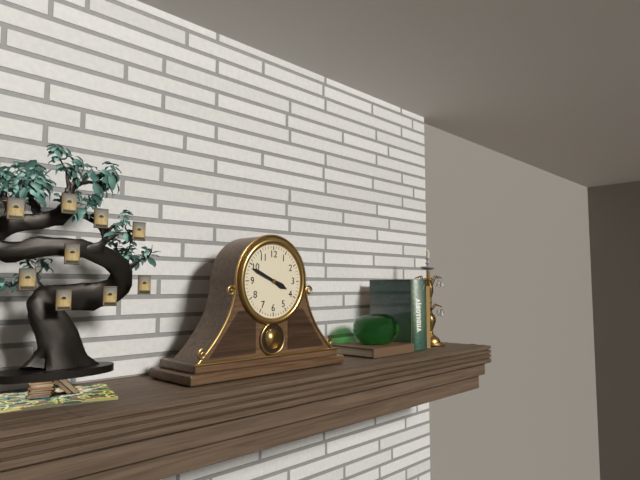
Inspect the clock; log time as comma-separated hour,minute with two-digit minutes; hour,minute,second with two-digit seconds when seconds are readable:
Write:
3,49
